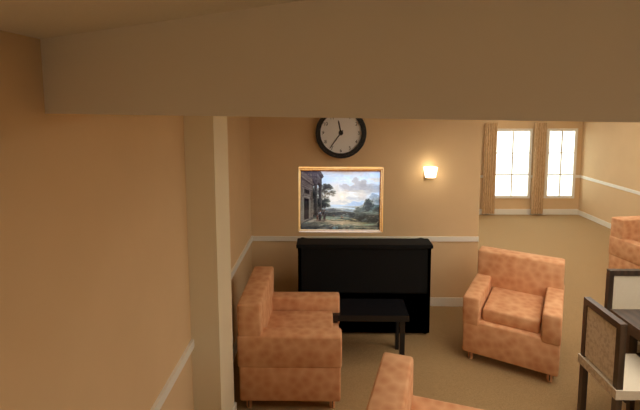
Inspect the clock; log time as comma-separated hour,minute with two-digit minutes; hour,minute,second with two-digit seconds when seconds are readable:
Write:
11,36
